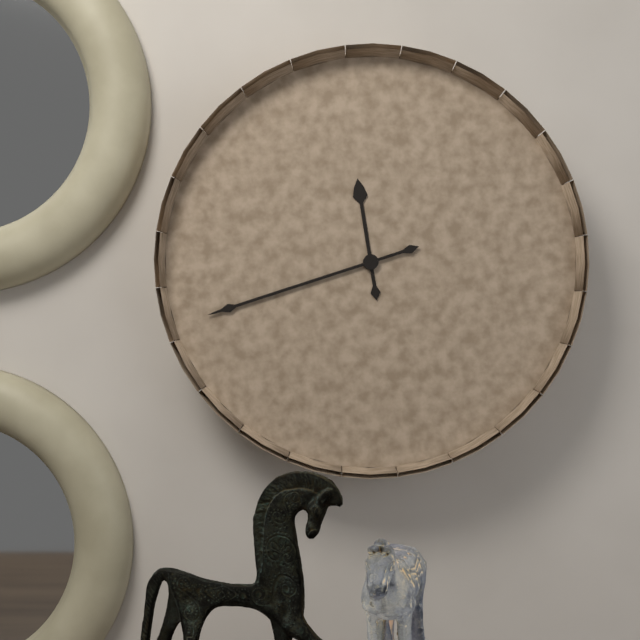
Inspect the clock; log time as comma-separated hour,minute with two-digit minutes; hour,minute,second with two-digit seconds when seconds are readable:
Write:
11,42
